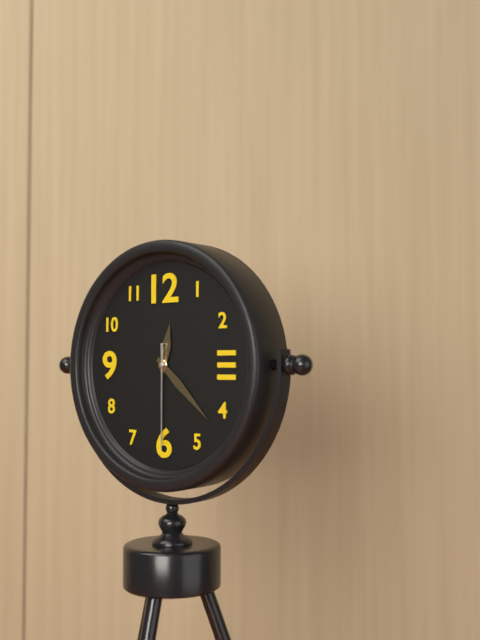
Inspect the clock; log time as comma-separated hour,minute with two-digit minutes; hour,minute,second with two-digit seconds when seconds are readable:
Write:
12,22,30
